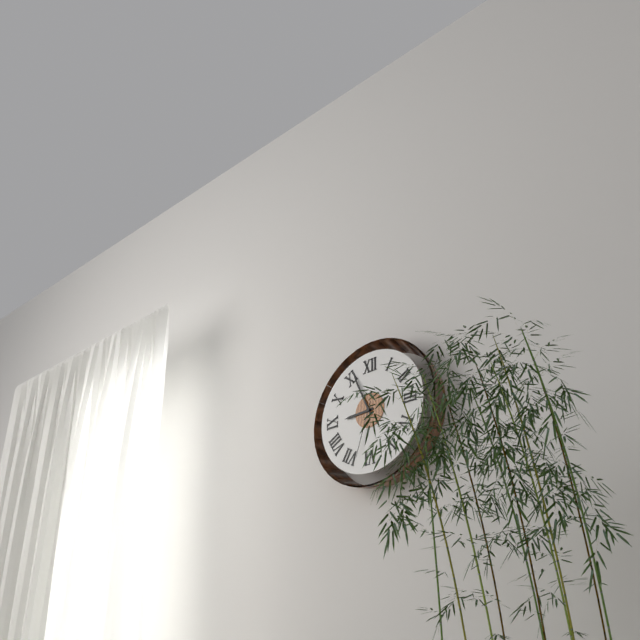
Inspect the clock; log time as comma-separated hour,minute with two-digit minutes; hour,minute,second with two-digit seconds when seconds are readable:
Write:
8,56,33
